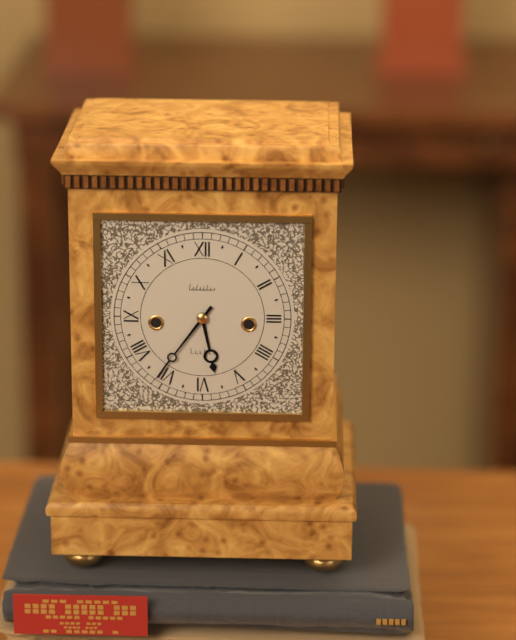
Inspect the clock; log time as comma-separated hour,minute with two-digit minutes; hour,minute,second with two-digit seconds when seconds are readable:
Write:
5,36
